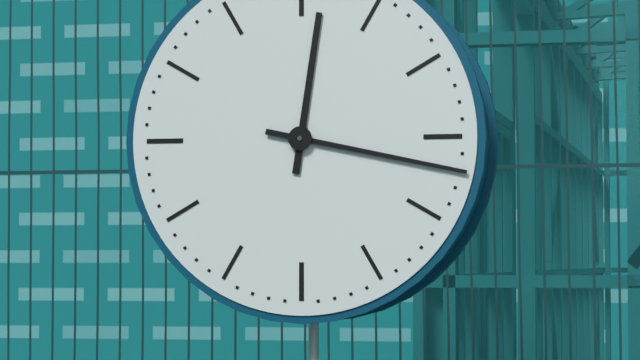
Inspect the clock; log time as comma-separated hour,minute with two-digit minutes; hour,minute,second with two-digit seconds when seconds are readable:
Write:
12,17
